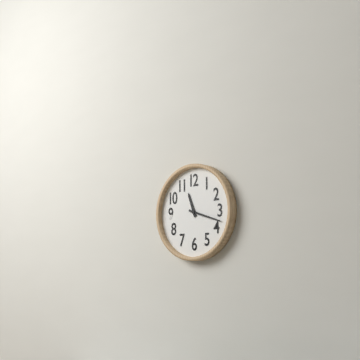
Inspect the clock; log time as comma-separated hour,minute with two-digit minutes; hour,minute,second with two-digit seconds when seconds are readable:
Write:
11,18
